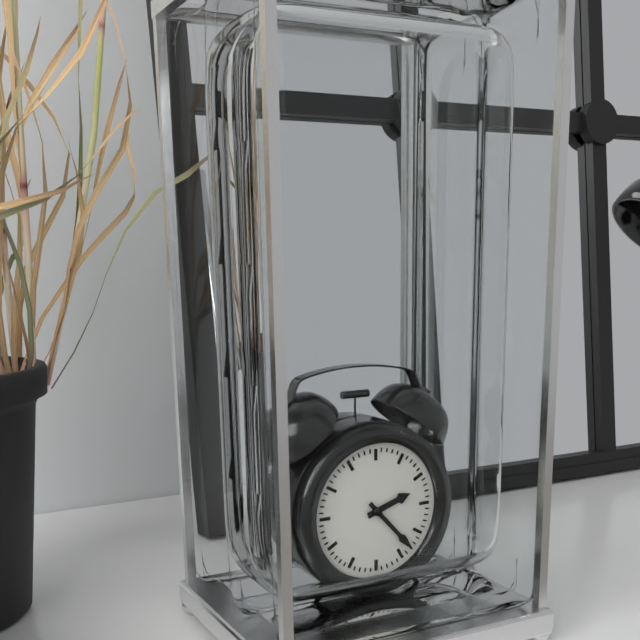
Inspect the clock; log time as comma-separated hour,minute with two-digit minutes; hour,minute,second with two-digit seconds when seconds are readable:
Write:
2,23
